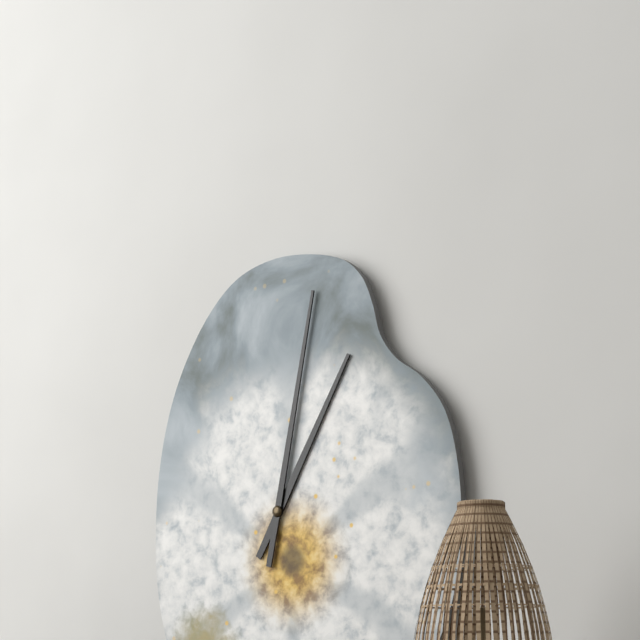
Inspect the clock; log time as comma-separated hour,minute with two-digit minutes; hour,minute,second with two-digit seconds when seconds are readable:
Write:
1,02
